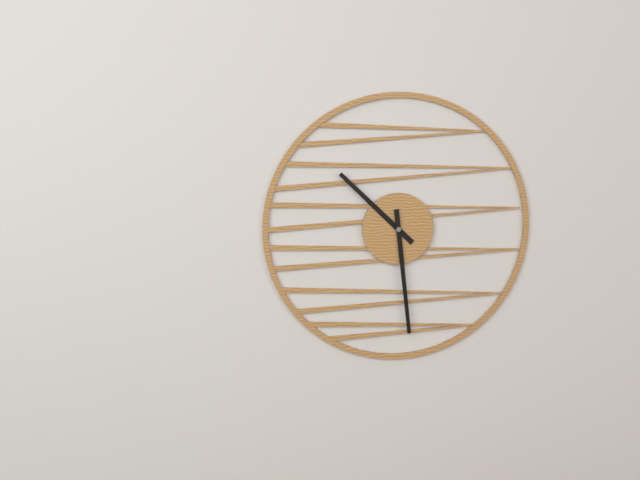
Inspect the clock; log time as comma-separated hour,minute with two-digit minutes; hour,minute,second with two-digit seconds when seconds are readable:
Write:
10,29
